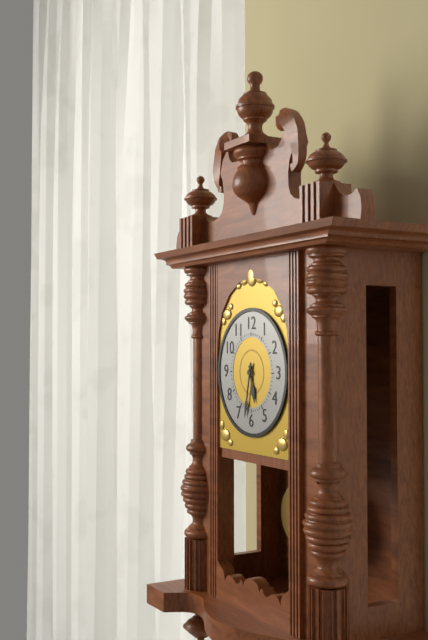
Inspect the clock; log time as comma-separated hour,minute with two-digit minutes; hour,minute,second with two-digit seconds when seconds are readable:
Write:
5,32
